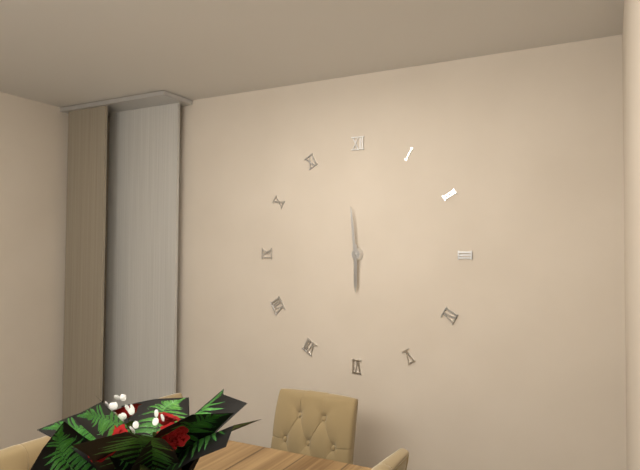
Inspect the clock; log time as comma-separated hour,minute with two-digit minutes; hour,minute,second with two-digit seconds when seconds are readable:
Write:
5,59
